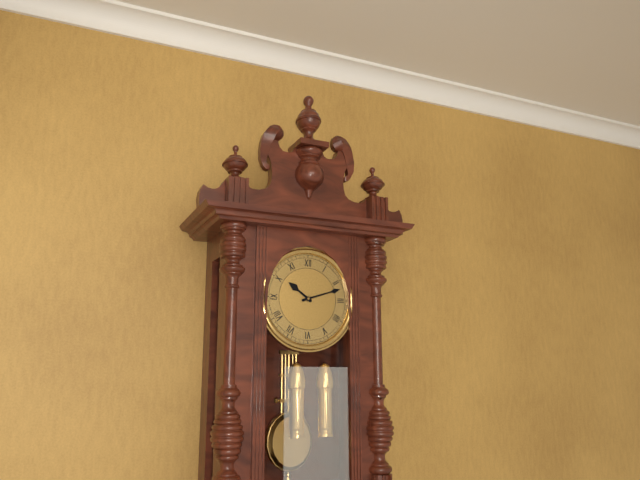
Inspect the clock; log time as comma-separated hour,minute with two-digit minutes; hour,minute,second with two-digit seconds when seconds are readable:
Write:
10,12
